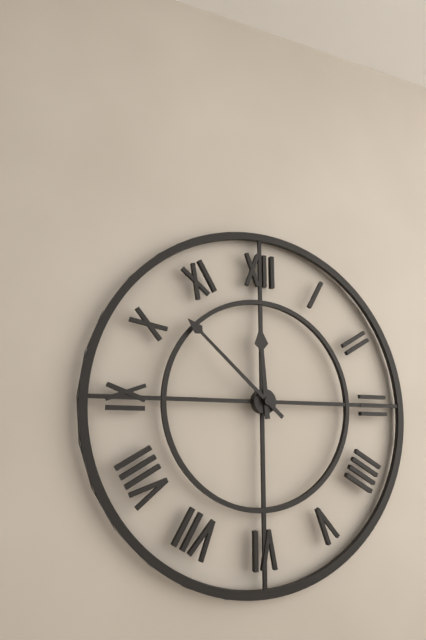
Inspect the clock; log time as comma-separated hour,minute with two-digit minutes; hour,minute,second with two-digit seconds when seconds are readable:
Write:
11,52
